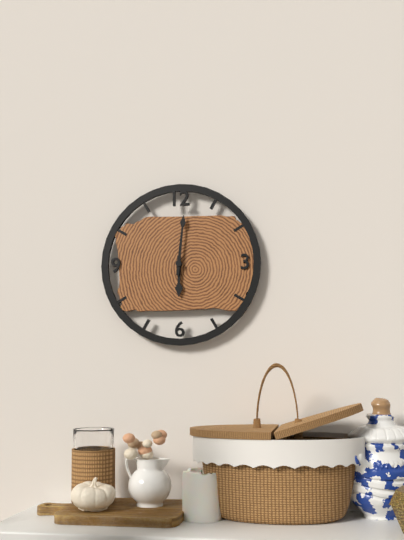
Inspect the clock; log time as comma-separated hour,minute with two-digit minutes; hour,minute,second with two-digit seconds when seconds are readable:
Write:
6,01
